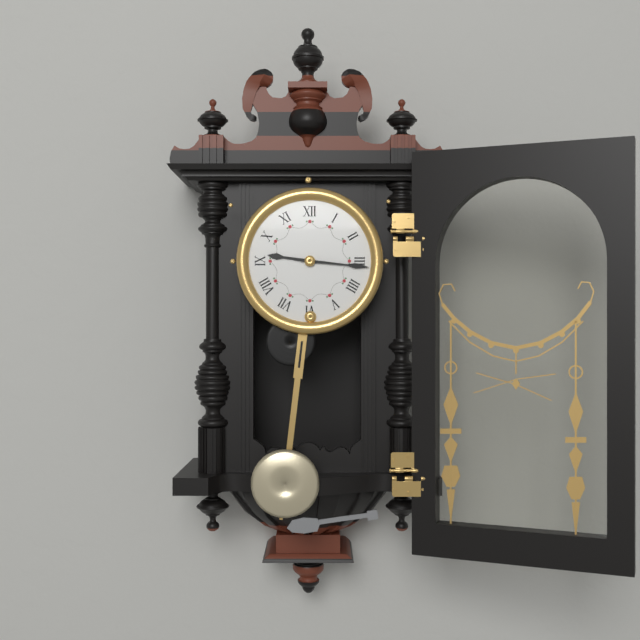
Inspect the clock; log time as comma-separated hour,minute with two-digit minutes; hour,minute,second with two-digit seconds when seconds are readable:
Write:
9,16
